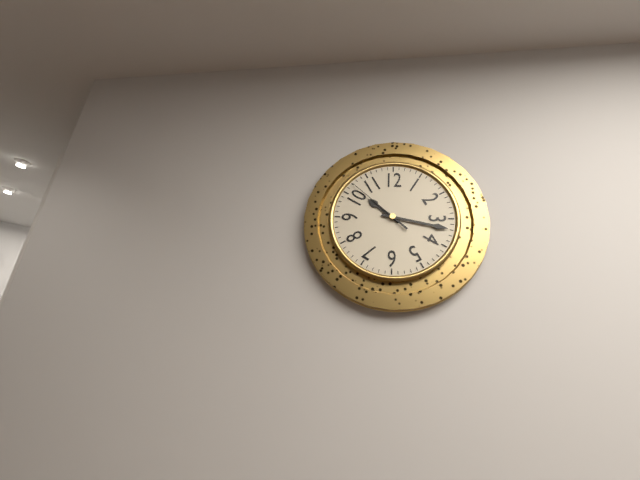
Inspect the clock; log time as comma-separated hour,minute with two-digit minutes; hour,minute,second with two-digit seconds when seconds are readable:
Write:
10,17,52
